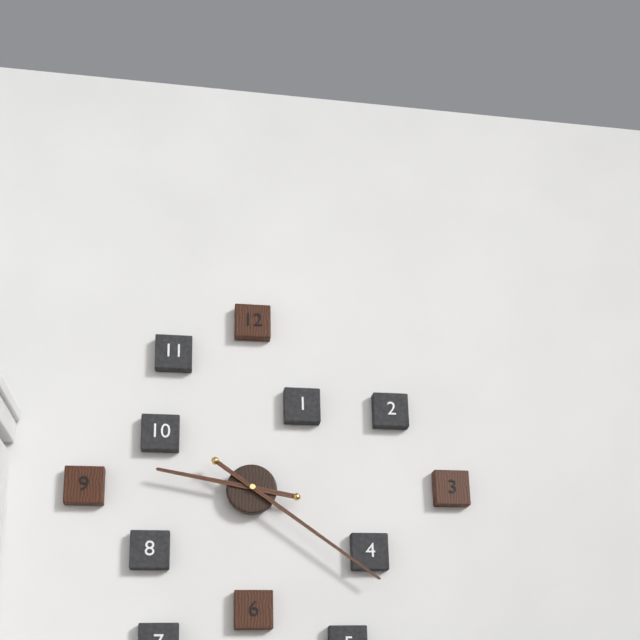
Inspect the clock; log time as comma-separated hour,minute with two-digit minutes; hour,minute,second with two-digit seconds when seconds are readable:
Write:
9,21
